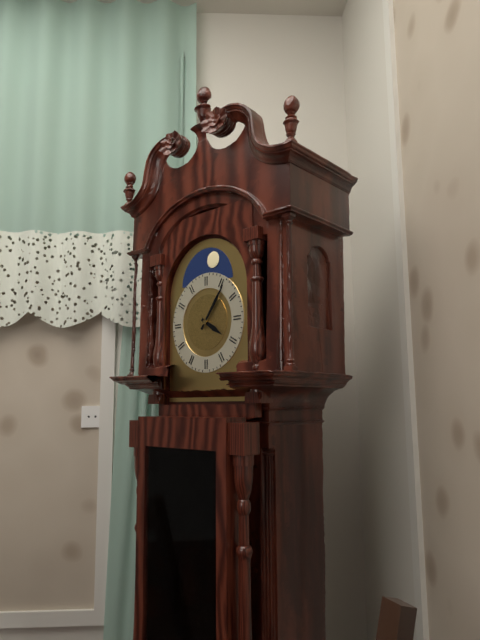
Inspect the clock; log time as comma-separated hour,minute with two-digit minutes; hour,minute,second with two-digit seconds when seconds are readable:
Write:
4,06
